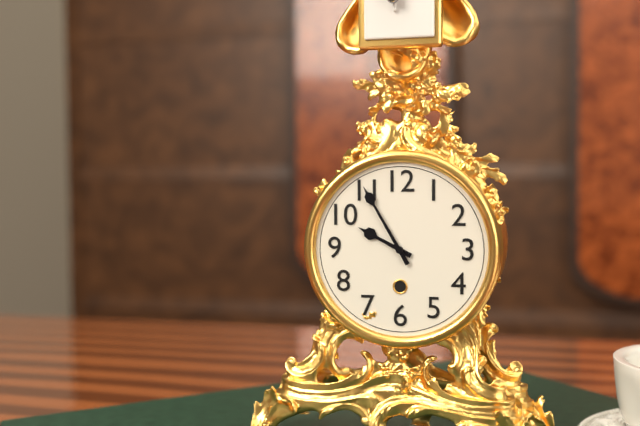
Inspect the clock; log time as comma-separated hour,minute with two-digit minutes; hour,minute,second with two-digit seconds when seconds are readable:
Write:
9,55
